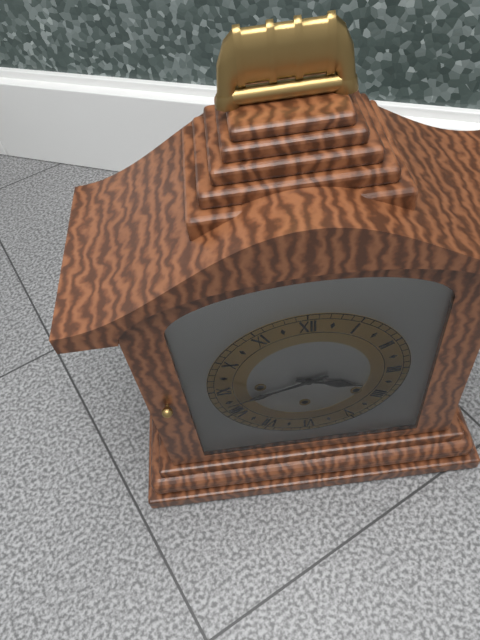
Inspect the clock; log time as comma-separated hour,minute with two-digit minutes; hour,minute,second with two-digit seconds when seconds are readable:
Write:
3,42
